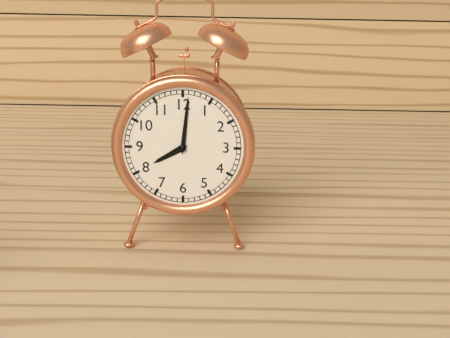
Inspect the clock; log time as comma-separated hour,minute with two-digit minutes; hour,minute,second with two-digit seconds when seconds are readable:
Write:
8,01
